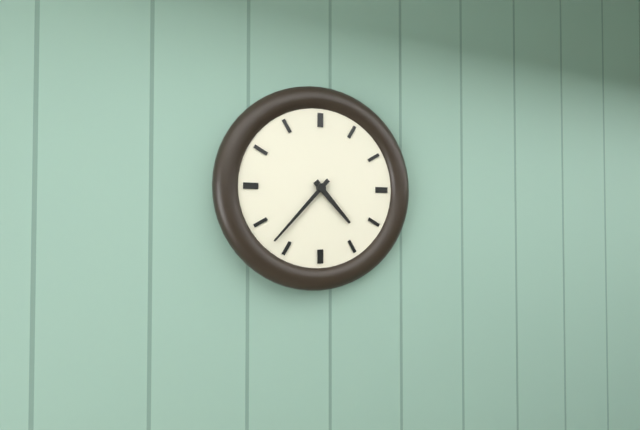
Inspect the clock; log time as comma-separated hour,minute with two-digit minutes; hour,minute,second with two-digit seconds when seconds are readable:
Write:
4,37
